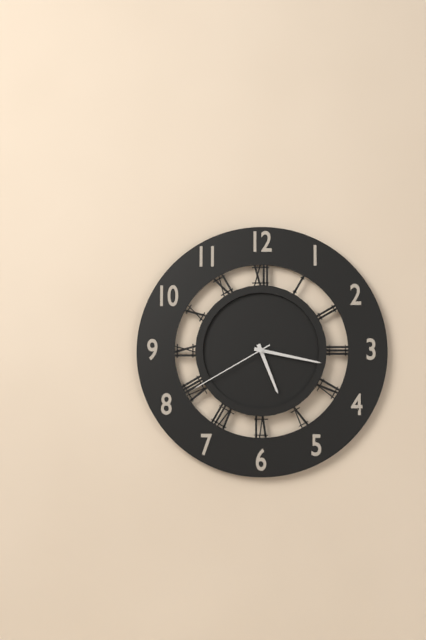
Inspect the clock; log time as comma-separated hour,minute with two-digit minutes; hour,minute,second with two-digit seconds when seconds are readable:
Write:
5,17,40
